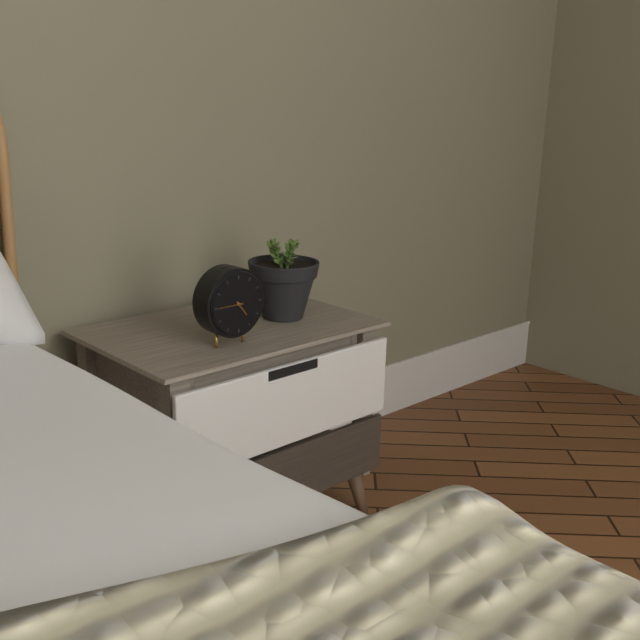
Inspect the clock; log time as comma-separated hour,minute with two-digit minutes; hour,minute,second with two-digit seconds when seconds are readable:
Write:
4,45
